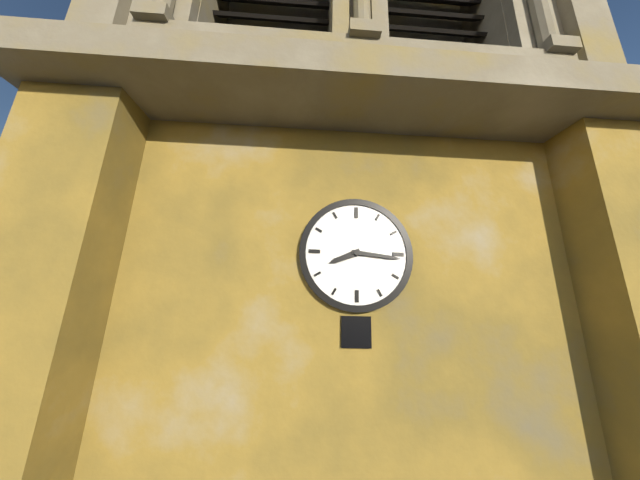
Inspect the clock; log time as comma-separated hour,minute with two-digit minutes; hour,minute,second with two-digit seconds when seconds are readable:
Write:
8,16
